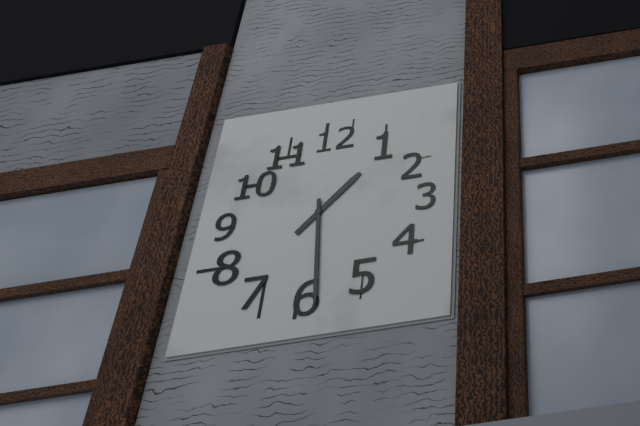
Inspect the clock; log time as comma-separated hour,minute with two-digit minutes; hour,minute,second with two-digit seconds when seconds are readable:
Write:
1,29
